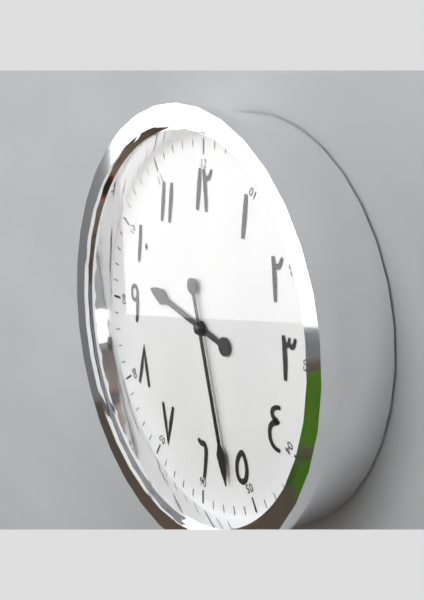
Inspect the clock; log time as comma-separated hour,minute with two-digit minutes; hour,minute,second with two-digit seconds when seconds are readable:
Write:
9,27
